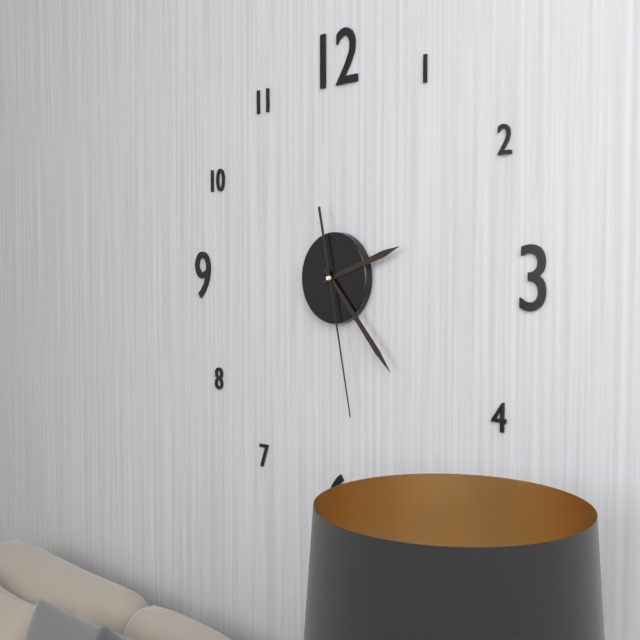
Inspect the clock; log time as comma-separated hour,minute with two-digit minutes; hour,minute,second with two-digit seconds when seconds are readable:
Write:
2,23,28
